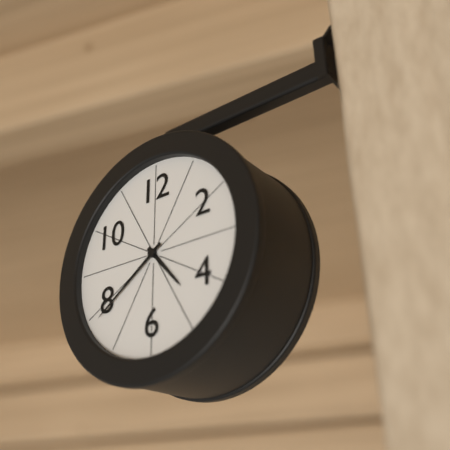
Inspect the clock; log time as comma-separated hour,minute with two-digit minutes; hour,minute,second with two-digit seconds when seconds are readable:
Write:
4,39
